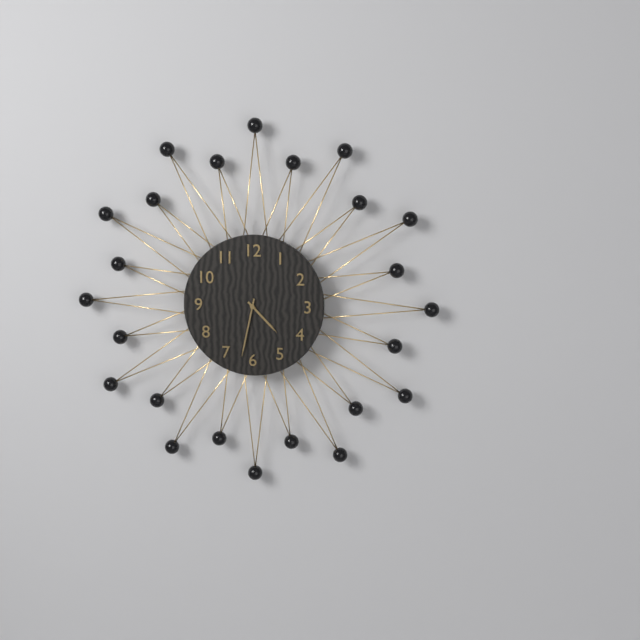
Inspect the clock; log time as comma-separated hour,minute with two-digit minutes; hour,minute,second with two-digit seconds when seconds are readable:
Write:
4,32
